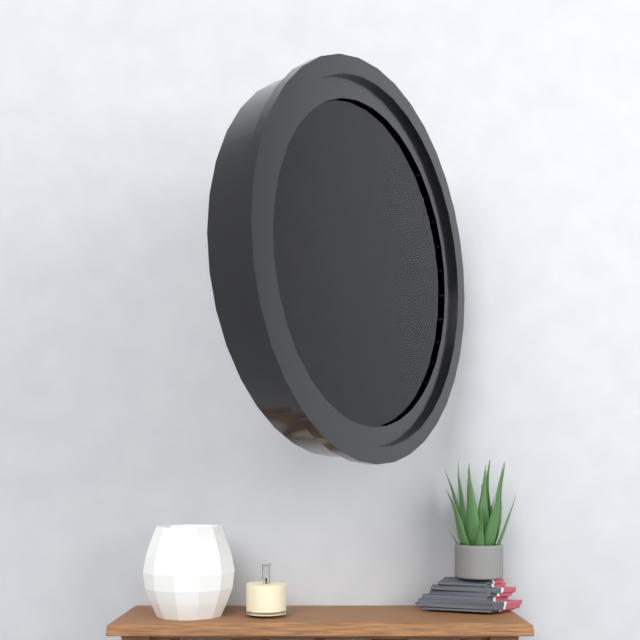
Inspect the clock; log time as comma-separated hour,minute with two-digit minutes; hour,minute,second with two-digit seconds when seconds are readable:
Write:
8,27,13
